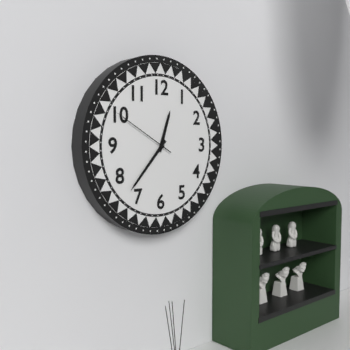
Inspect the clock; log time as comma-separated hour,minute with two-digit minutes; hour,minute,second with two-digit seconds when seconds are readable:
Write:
12,37,50
